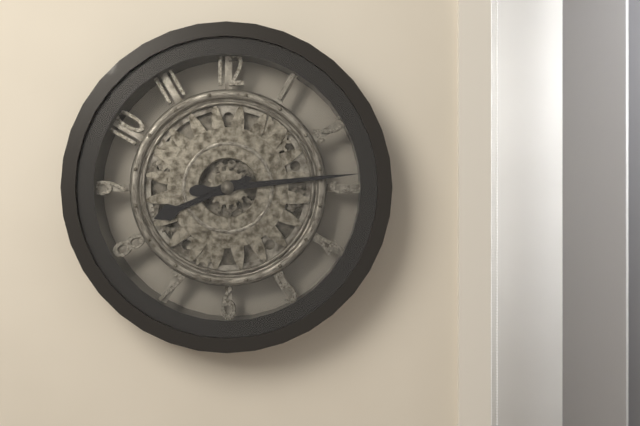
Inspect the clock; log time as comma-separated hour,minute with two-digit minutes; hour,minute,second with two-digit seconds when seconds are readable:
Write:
8,14
